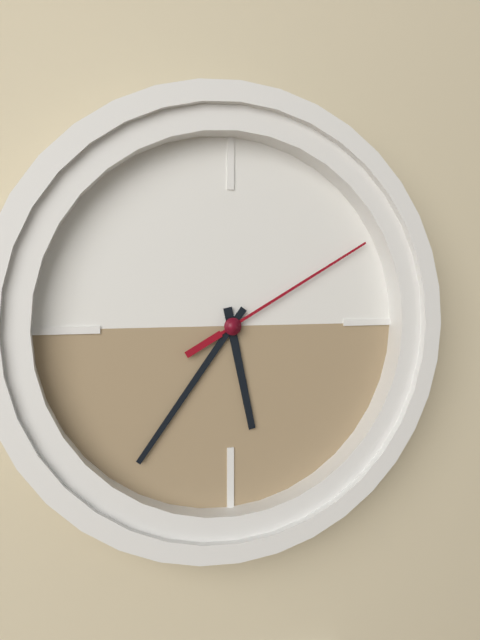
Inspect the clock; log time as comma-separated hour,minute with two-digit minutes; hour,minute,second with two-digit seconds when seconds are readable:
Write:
5,36,10
